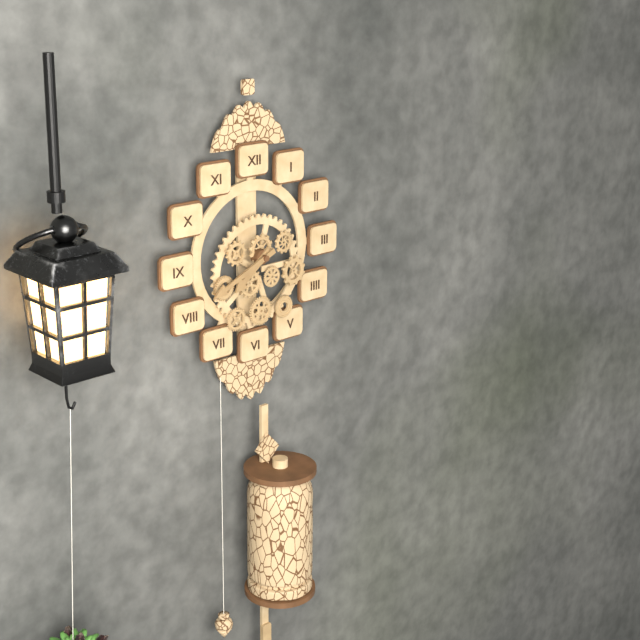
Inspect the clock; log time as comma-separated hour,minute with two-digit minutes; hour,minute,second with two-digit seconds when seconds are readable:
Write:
7,41
